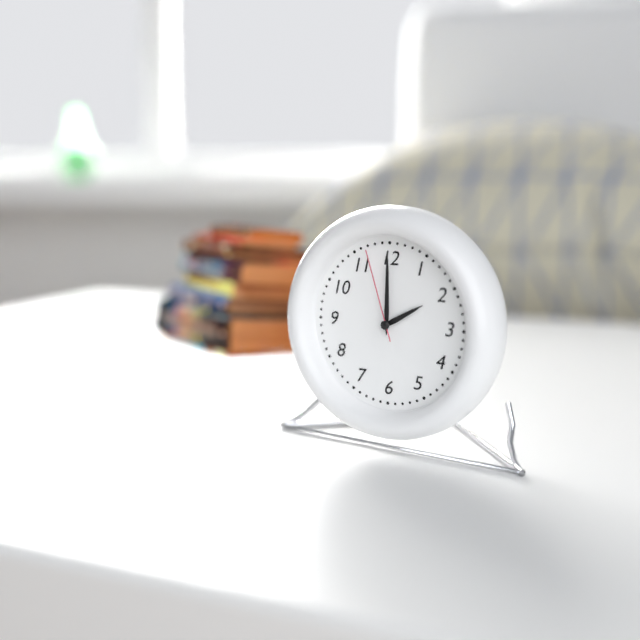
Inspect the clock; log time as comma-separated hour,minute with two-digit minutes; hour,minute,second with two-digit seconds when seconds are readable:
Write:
2,00,57
